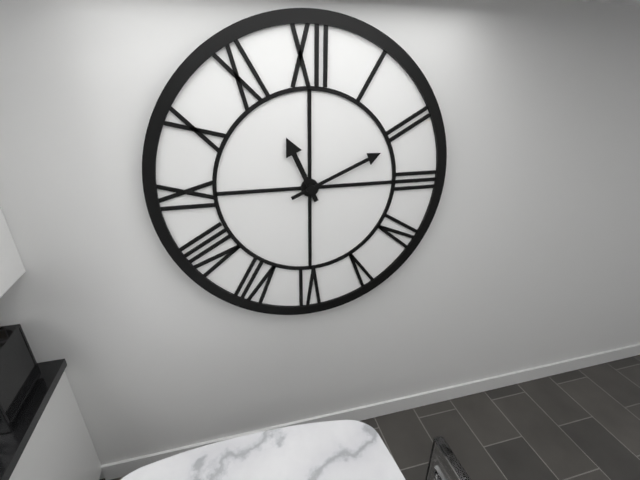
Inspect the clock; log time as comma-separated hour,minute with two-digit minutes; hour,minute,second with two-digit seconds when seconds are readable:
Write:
11,11
